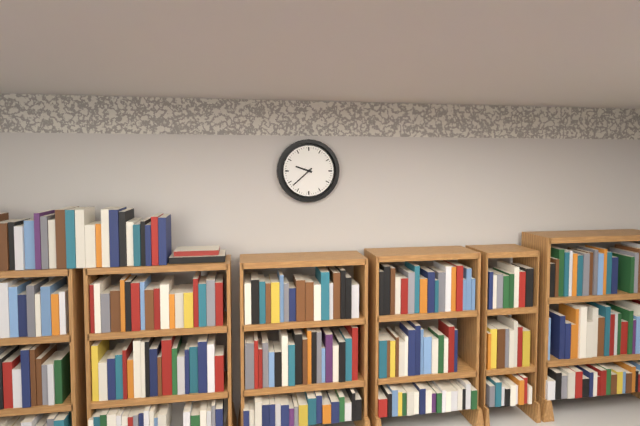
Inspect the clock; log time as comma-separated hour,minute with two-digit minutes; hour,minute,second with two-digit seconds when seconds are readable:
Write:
9,38
